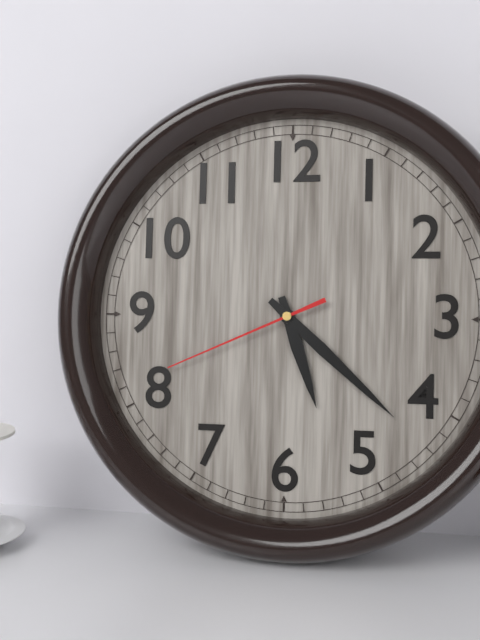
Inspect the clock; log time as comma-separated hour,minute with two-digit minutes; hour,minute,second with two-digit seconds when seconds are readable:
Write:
5,22,41
